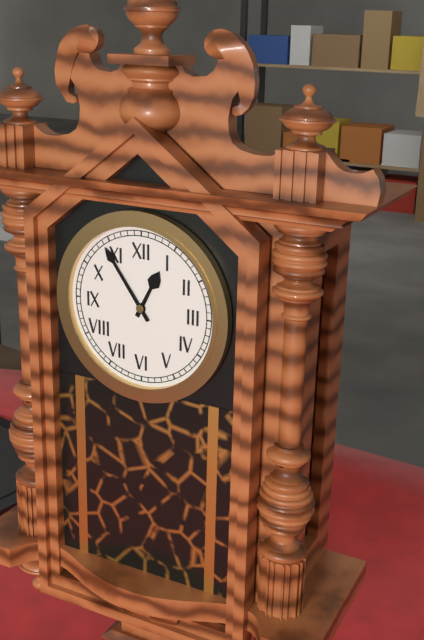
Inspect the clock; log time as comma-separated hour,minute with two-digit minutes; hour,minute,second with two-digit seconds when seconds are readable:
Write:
12,54
